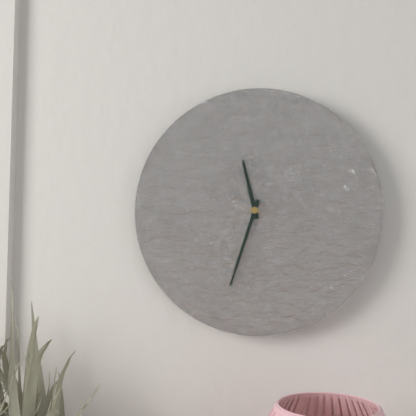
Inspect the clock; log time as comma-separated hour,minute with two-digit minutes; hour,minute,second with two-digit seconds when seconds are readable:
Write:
11,33
